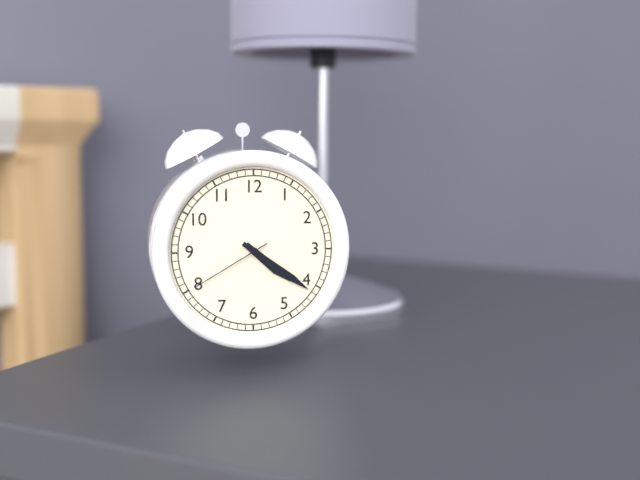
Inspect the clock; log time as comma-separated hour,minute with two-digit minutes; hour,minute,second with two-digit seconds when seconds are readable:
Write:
4,21,40
